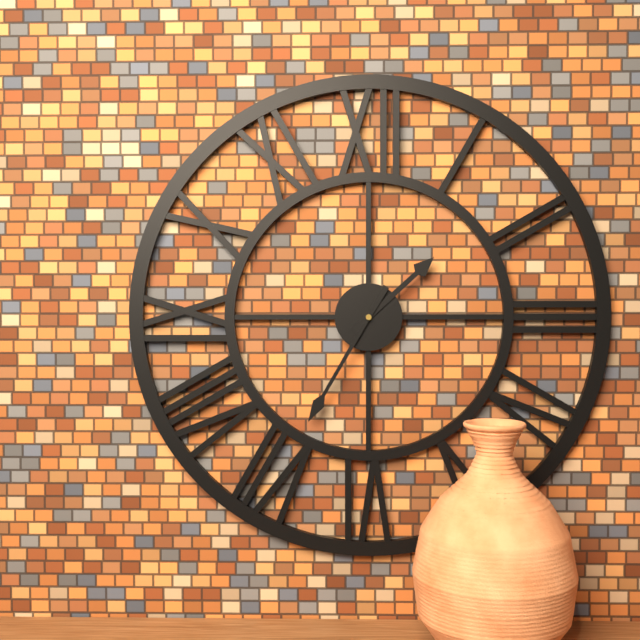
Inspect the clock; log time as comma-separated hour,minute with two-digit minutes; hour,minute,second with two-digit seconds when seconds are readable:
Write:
1,35
